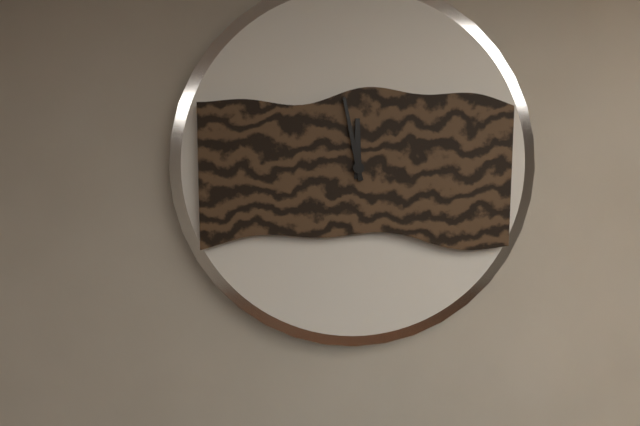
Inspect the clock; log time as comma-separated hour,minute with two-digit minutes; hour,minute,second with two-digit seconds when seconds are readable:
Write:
11,58
